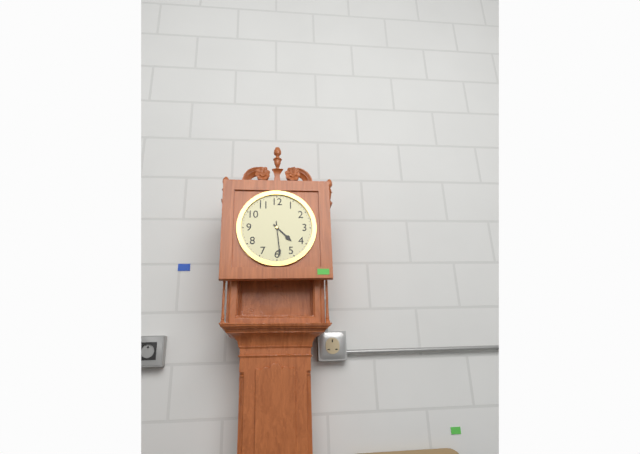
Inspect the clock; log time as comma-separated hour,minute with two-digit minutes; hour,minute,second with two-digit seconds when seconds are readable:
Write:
4,29
